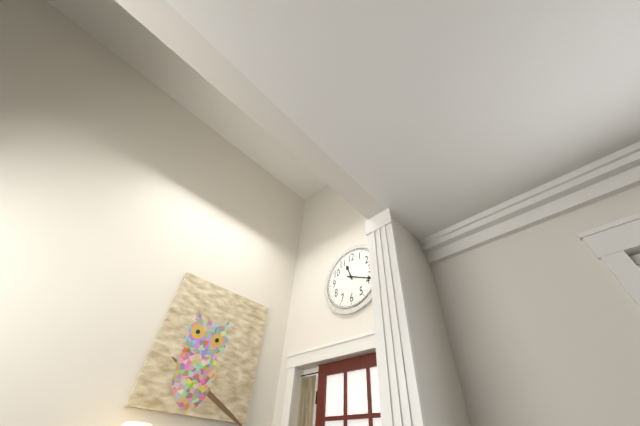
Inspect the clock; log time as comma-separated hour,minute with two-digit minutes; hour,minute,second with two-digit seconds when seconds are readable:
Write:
11,19
